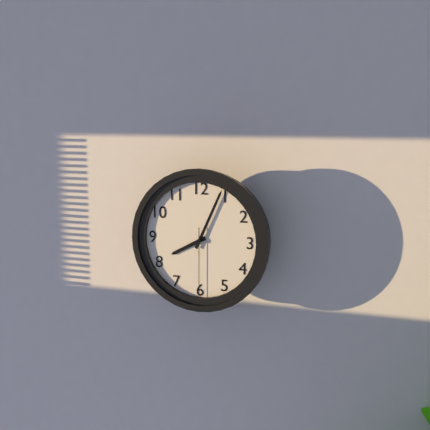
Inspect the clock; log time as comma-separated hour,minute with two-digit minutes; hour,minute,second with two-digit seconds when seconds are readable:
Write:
8,04,30
